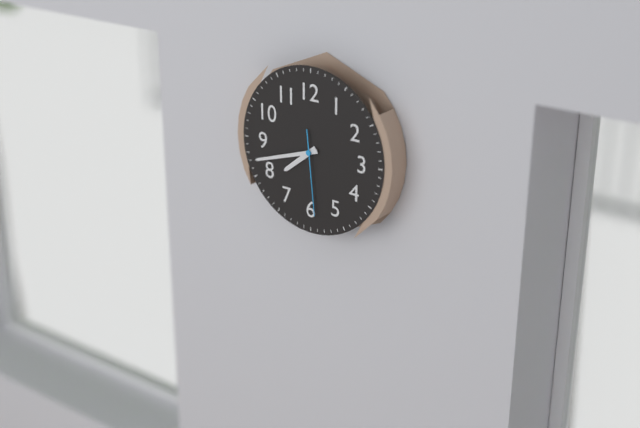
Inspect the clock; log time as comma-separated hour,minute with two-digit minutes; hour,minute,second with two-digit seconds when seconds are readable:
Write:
7,42,29
